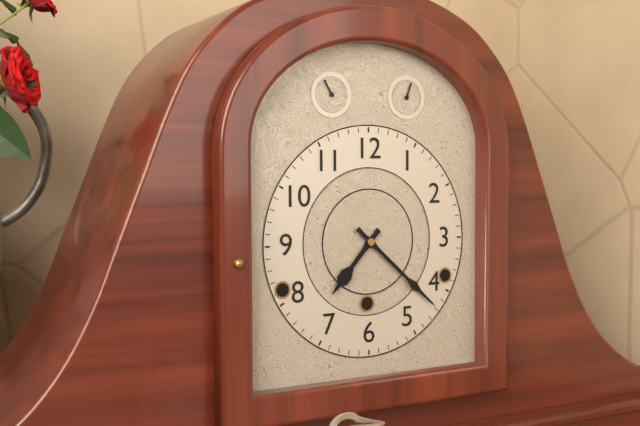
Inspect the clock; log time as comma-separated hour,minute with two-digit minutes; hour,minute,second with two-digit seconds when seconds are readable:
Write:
7,22
